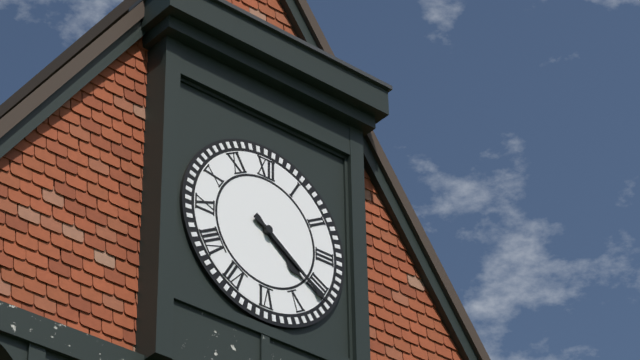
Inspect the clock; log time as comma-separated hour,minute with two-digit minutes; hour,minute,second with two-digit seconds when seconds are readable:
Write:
4,21
